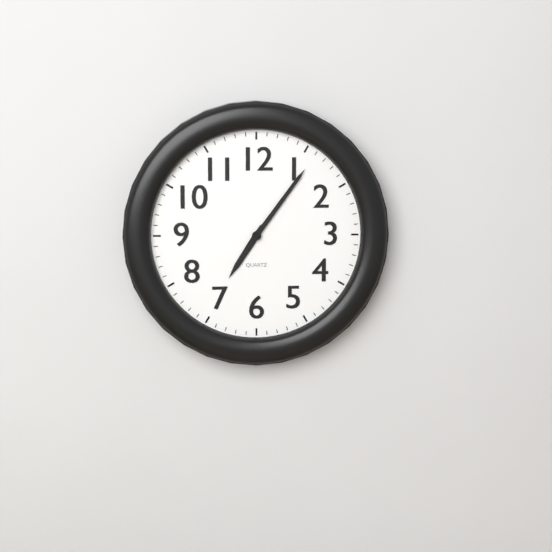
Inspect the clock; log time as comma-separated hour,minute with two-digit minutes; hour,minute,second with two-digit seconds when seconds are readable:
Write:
7,06
